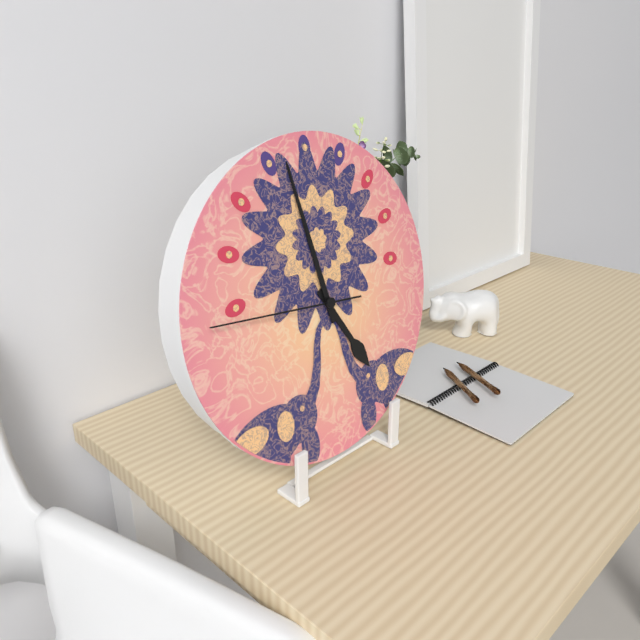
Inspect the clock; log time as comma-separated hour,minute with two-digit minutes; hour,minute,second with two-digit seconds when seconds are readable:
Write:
4,58,46
